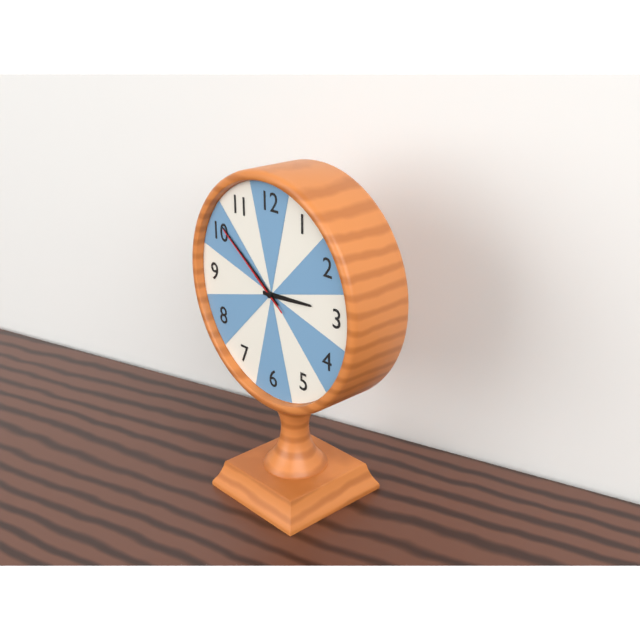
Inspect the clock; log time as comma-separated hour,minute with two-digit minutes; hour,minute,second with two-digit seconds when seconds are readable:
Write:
2,51,51
